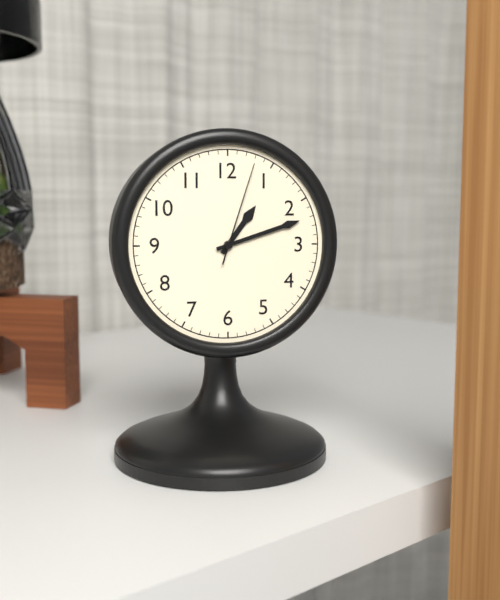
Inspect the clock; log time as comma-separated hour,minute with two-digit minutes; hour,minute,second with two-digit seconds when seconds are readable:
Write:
1,12,03
